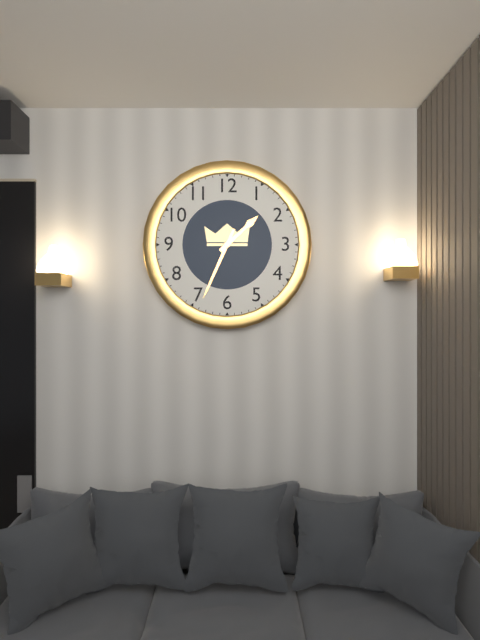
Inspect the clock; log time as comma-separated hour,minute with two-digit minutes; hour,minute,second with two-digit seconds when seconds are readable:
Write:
1,34
